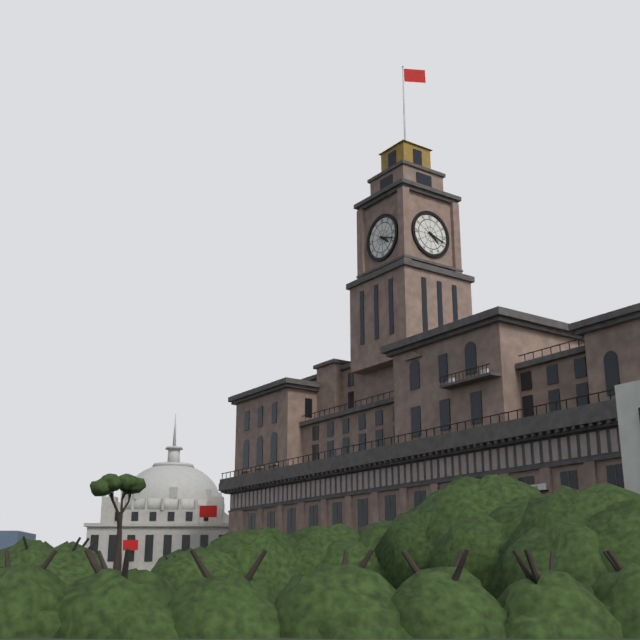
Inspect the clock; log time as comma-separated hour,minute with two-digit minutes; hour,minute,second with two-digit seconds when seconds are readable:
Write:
4,18
